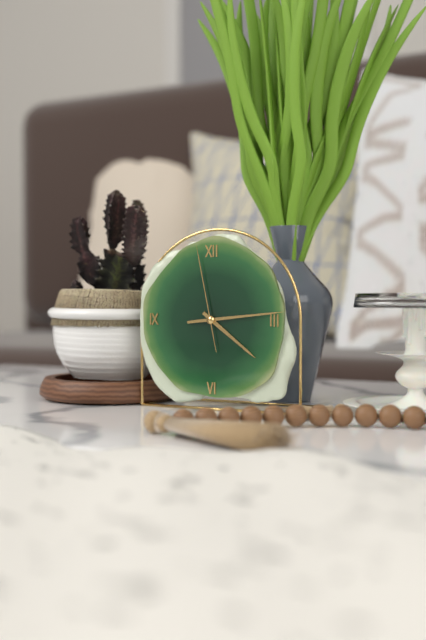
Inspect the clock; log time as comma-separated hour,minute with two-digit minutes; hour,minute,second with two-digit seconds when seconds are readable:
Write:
4,14,58
